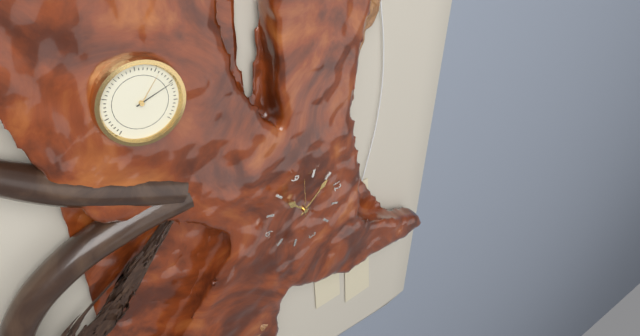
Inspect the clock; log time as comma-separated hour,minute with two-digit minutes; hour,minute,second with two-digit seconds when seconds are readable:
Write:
7,55
